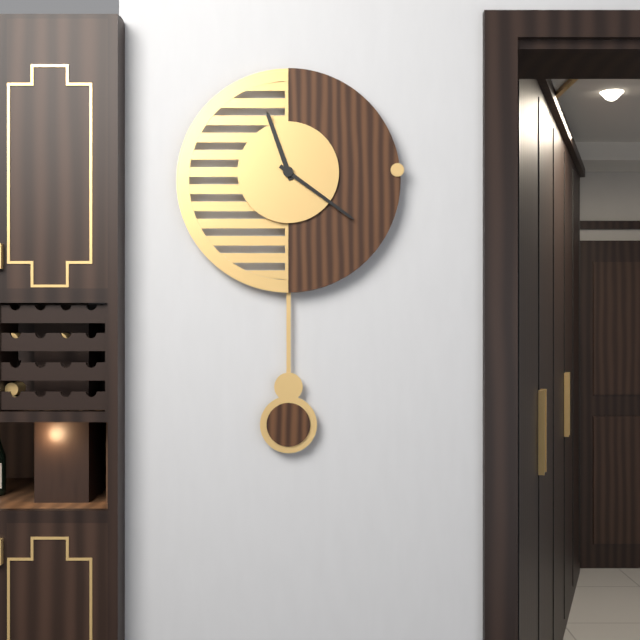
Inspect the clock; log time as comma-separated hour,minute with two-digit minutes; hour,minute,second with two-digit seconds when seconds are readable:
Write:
11,21
